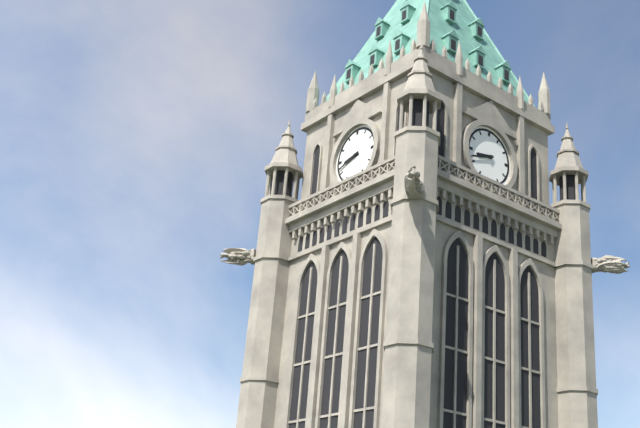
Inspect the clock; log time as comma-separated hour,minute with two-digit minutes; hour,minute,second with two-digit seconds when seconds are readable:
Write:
8,42
